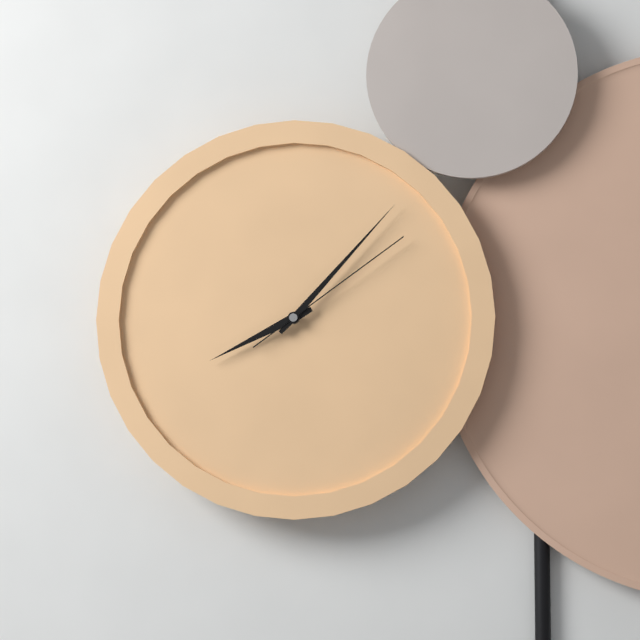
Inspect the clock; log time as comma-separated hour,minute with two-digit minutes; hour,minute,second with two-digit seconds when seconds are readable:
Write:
8,07,09
